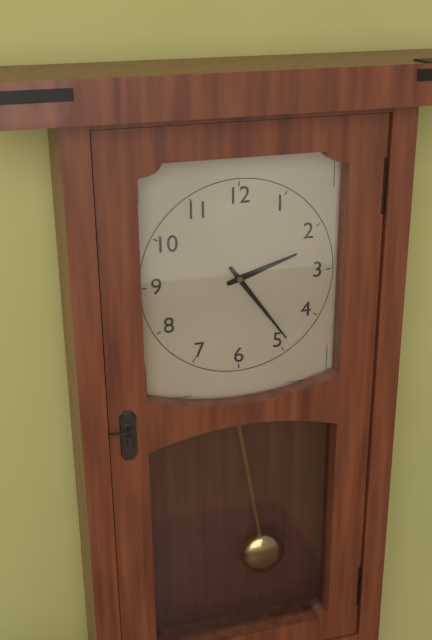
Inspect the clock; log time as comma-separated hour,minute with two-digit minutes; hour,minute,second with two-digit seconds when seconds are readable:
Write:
2,24
